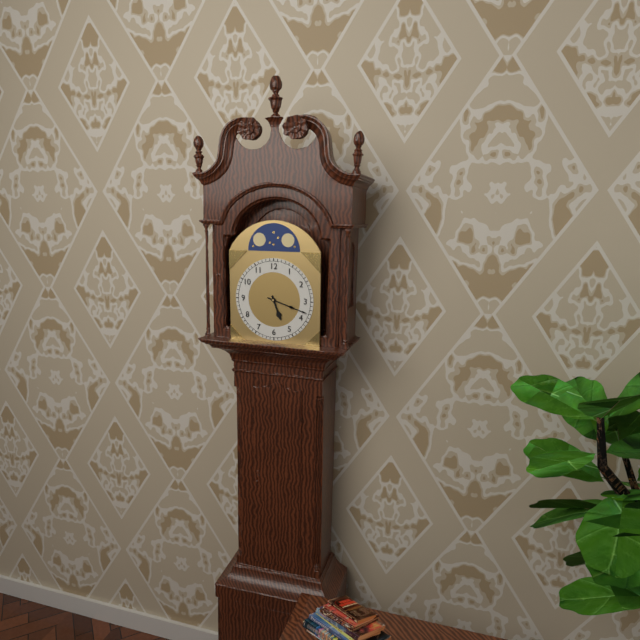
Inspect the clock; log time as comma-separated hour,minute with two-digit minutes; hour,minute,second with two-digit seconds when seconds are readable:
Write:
5,18
